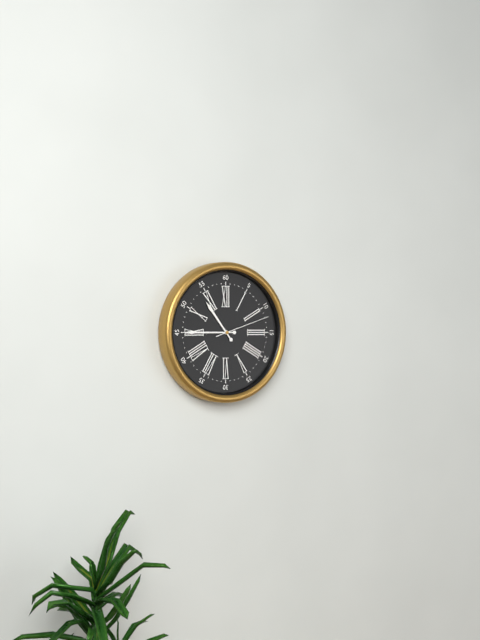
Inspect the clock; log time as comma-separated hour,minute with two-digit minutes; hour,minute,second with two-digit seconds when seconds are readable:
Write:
10,45,12
